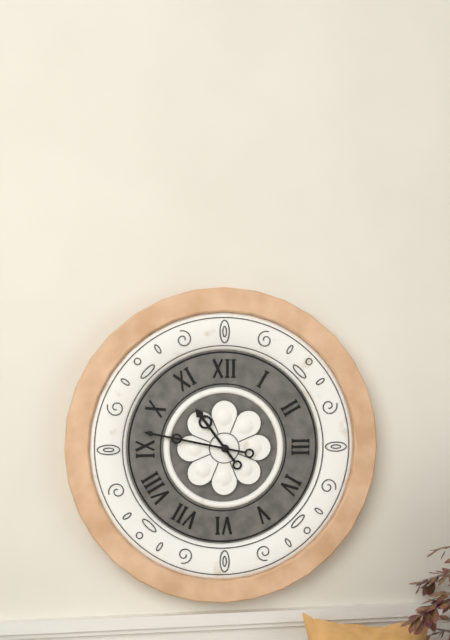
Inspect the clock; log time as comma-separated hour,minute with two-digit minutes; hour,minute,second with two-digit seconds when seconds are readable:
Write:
10,47
